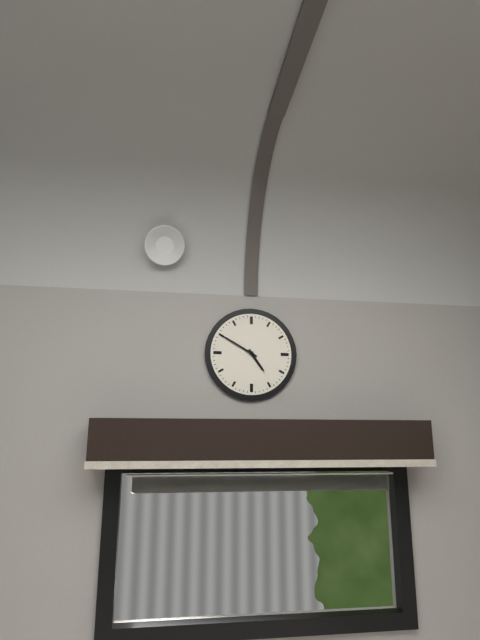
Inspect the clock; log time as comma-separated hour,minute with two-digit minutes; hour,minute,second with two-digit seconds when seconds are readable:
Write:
4,50
